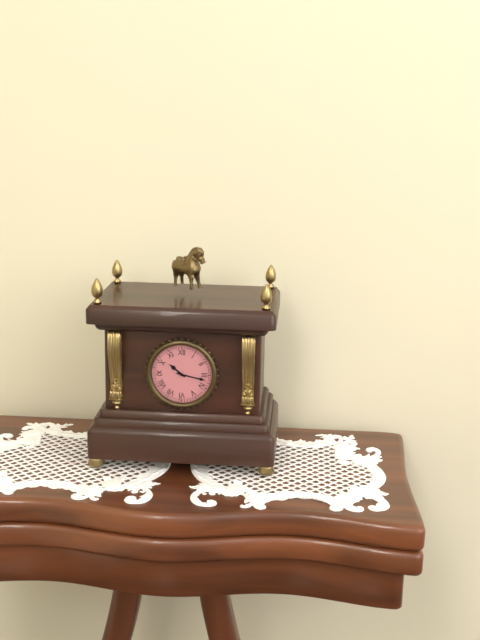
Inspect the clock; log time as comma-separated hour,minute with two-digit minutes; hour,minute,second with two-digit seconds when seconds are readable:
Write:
10,17
